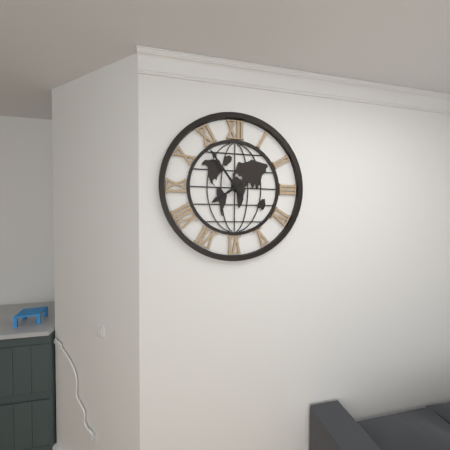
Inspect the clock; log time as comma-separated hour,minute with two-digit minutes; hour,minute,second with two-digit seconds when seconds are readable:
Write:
7,54
